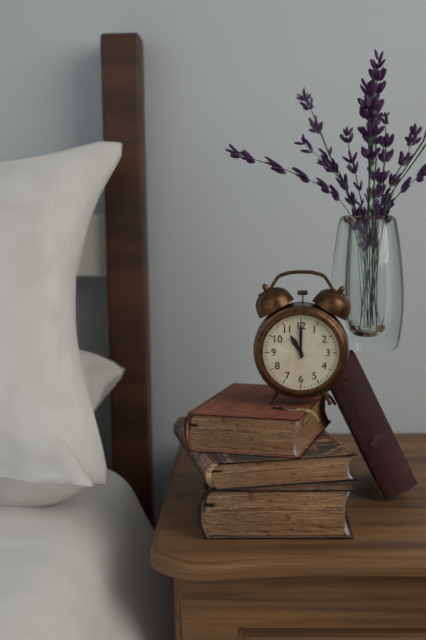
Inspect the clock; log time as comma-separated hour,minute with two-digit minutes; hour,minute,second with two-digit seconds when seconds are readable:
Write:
11,00
